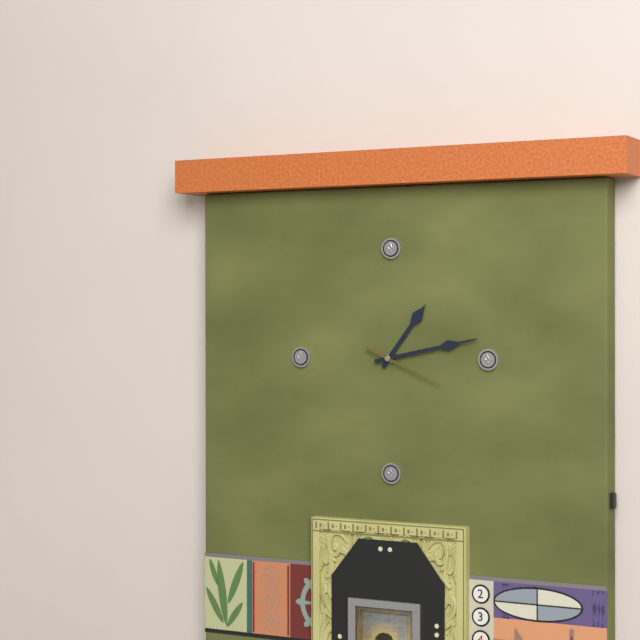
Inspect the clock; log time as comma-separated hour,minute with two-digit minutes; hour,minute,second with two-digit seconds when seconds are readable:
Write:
1,13,19
